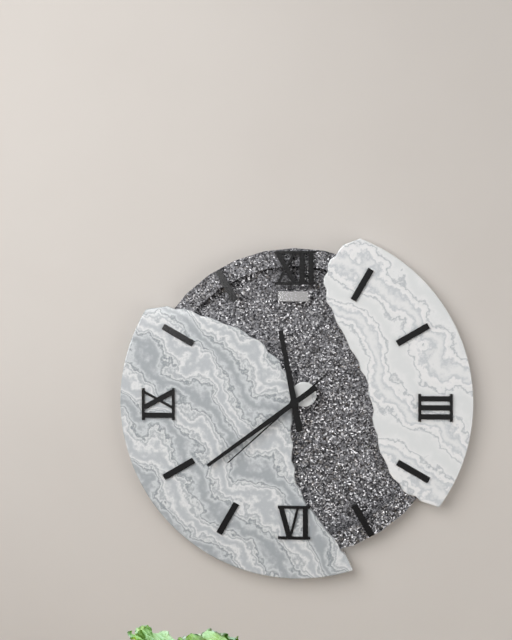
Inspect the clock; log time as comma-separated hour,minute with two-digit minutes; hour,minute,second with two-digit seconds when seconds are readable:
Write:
11,39,38
